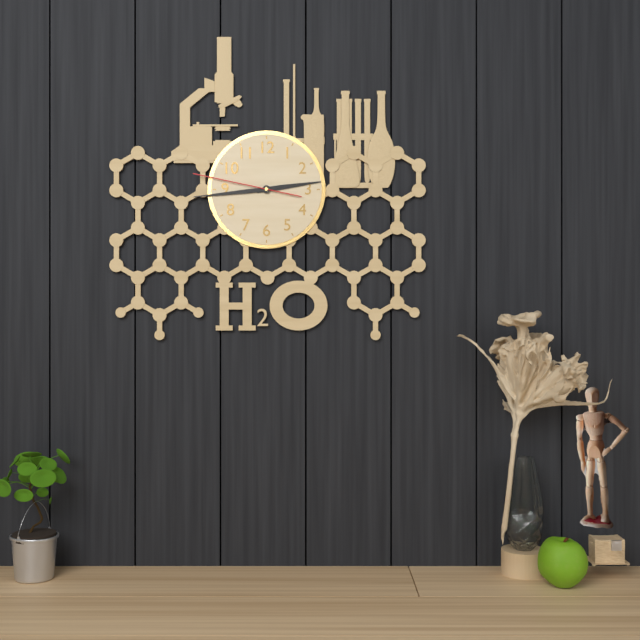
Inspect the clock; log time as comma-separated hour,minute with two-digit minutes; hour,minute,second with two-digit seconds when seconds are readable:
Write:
2,44,47
